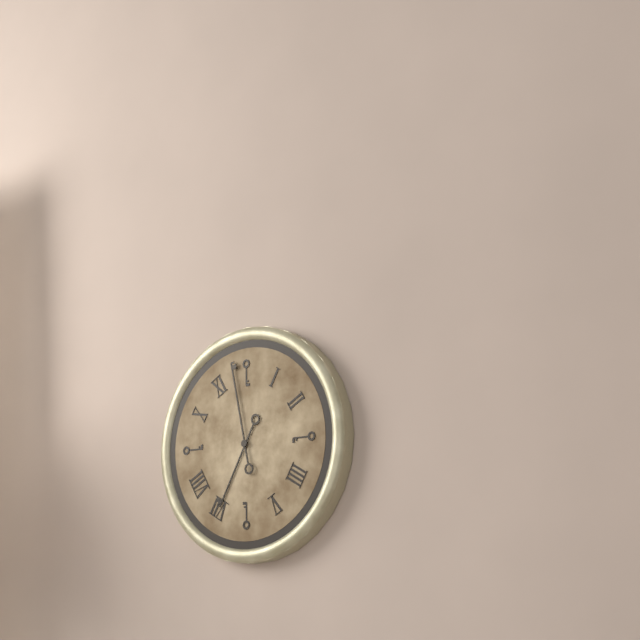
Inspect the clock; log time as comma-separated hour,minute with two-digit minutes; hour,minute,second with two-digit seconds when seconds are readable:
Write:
6,58
